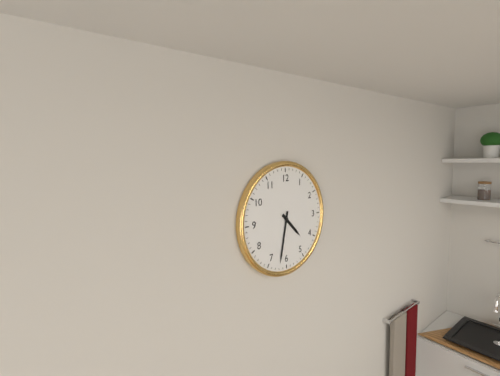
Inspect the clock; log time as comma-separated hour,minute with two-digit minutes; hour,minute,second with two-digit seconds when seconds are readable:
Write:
4,32
